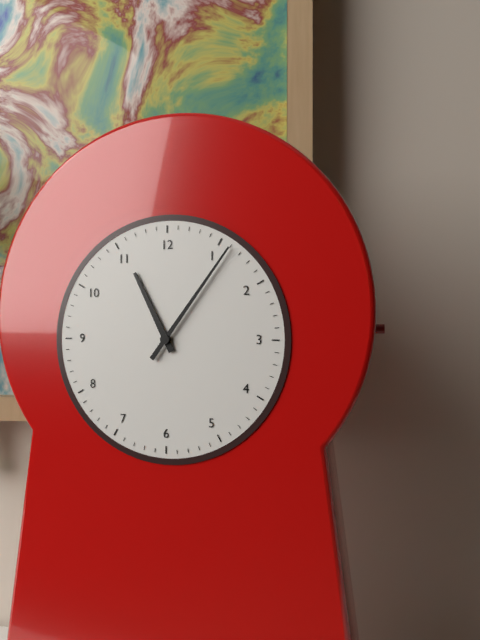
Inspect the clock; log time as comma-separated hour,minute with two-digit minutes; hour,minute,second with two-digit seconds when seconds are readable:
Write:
11,06
